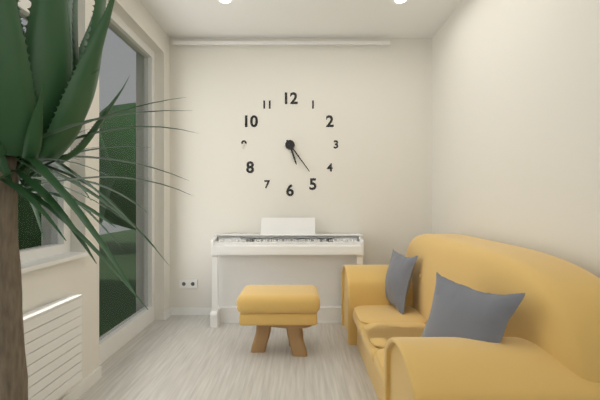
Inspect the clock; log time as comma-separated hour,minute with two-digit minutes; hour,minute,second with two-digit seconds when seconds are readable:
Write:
5,24
